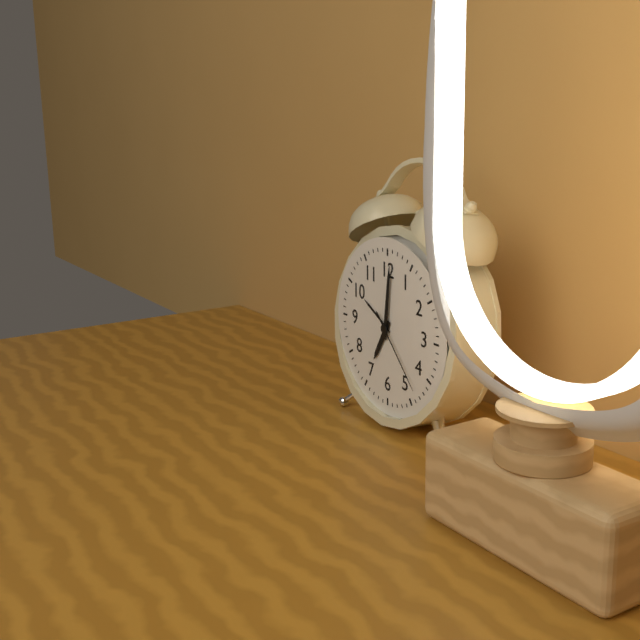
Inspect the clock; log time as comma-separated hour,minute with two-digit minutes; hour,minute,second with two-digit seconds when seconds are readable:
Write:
7,01,23
